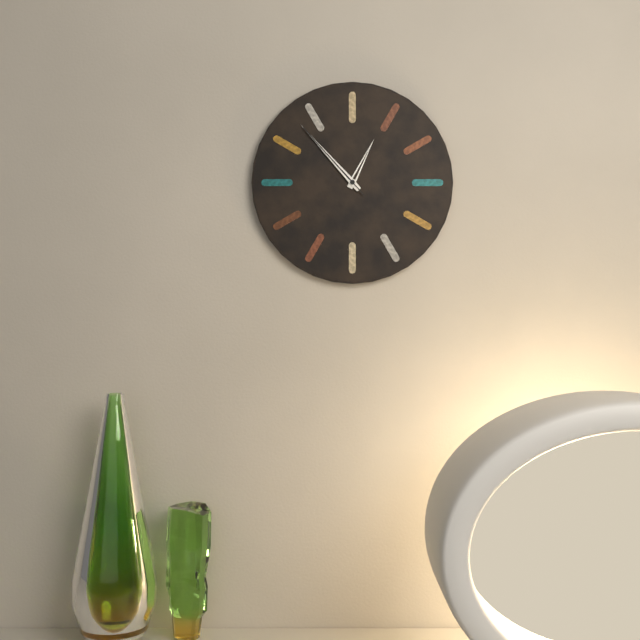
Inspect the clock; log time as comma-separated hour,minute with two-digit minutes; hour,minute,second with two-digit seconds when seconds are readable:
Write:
12,53,53
